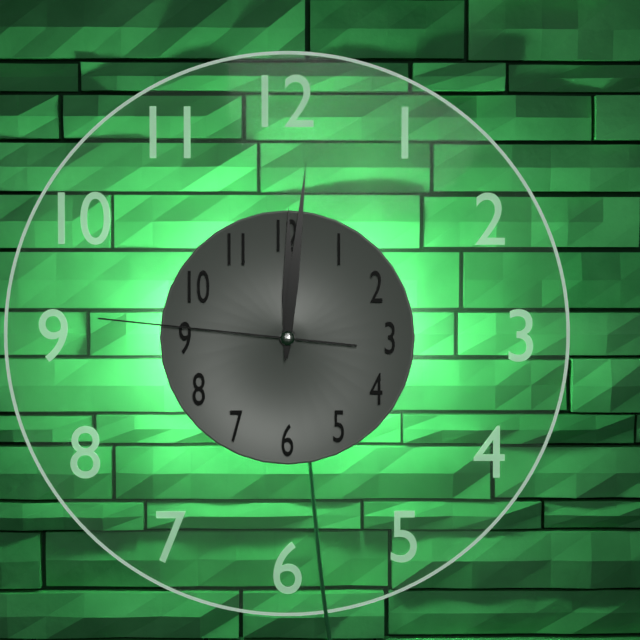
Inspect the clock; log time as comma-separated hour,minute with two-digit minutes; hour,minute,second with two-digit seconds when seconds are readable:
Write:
12,01,46
